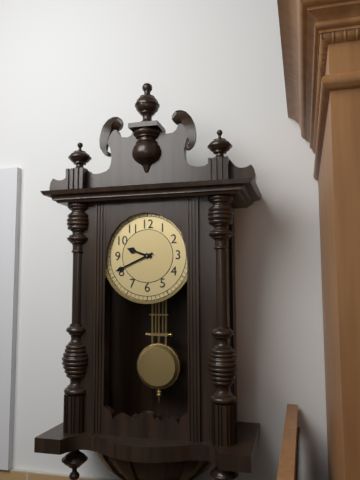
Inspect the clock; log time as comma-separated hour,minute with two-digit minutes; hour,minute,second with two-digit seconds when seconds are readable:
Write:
9,41
